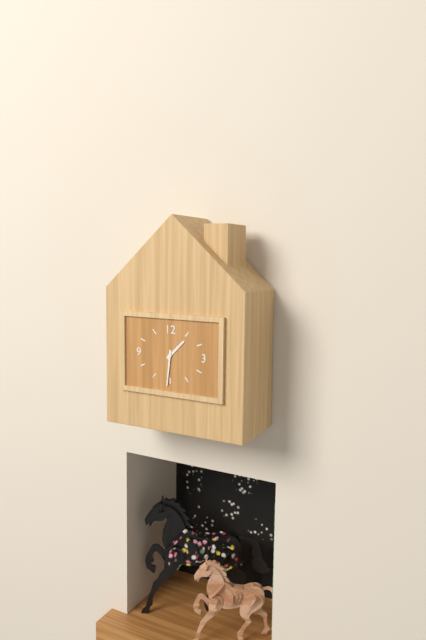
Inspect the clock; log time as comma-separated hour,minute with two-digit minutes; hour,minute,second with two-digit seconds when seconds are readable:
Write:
1,31
